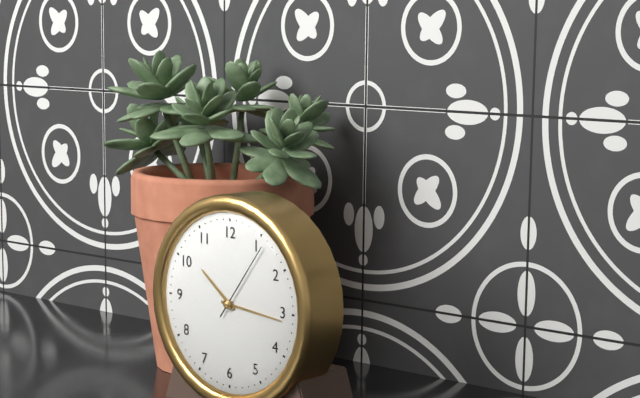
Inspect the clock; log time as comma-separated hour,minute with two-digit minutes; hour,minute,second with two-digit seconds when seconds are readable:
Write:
10,16,06
